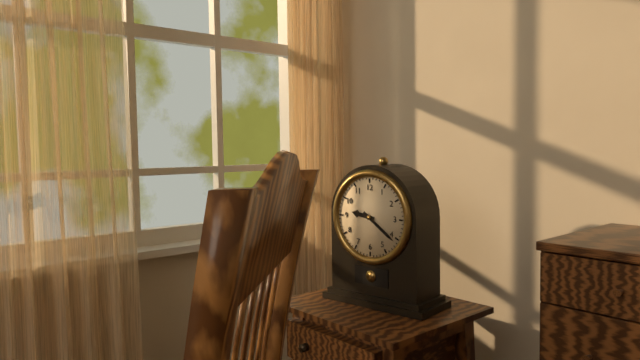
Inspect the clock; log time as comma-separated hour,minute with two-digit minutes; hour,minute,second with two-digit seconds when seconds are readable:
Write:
9,21
